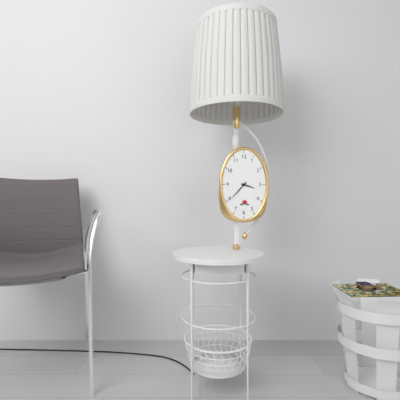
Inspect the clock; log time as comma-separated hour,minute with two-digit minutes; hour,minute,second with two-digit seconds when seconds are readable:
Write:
3,37
